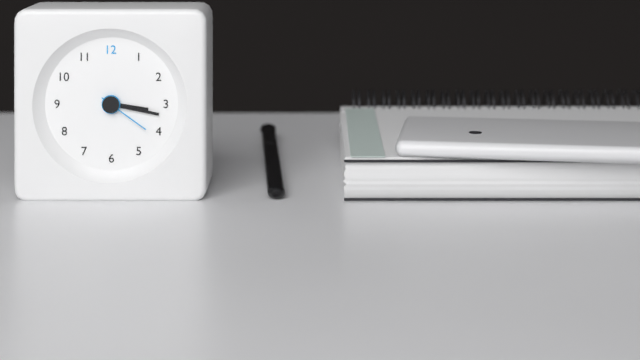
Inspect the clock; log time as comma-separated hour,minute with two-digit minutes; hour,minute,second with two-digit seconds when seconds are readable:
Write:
3,17,21
